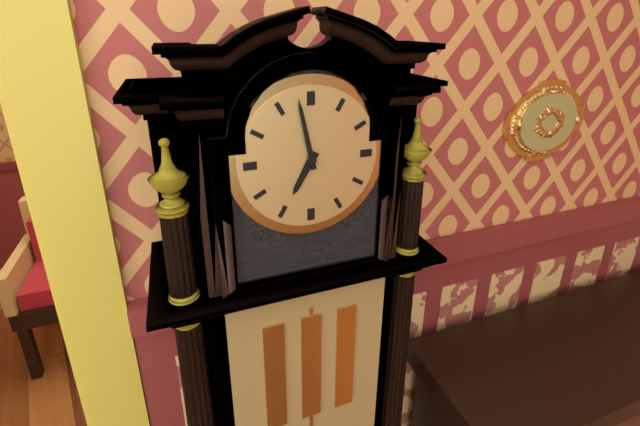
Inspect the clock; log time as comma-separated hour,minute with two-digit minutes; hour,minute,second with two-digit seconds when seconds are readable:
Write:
6,58
